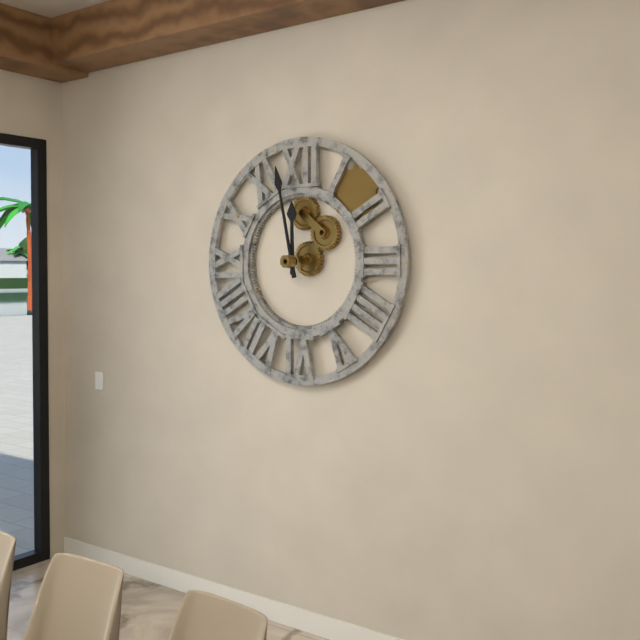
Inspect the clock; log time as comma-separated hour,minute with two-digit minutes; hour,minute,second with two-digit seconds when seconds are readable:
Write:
11,58
